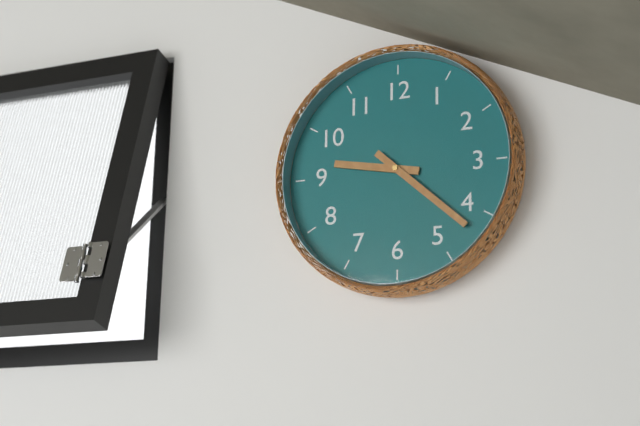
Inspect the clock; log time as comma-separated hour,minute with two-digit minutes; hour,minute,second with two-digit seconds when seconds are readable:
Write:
9,22
